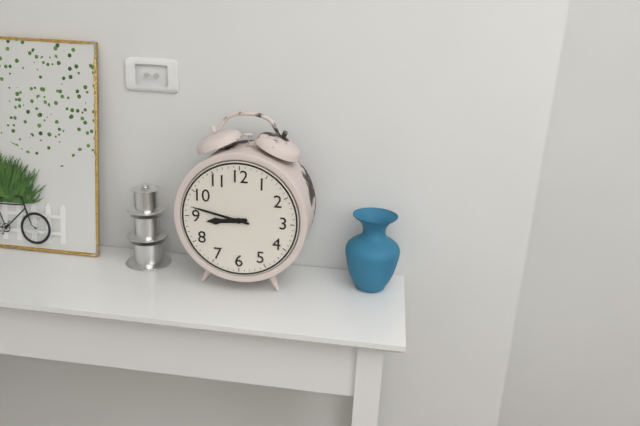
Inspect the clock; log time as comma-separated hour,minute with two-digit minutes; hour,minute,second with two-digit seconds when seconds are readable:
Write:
8,47
